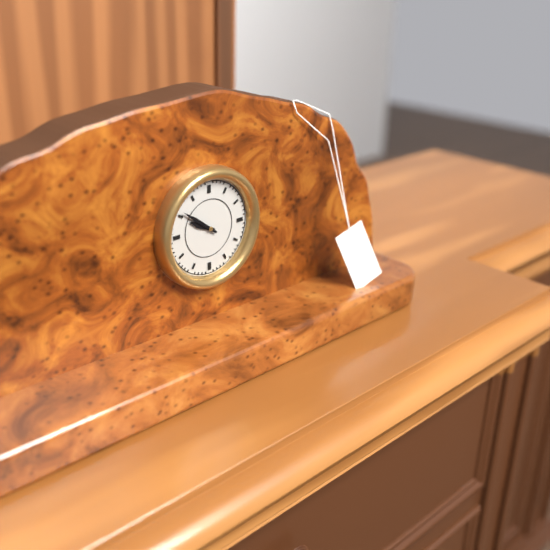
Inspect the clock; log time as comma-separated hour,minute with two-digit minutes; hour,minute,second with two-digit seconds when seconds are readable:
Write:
9,51
